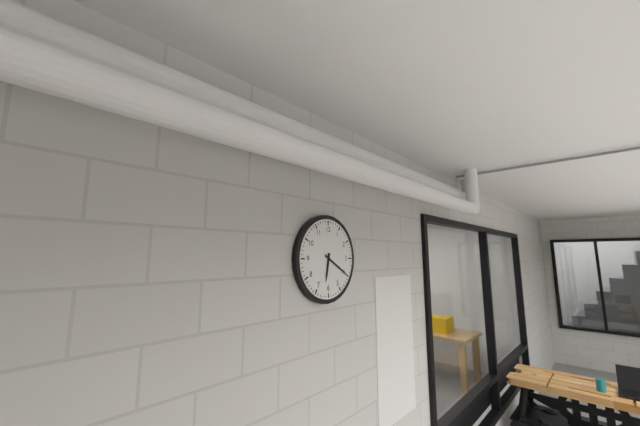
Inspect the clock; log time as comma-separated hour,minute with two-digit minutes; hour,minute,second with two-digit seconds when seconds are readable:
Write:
6,20
